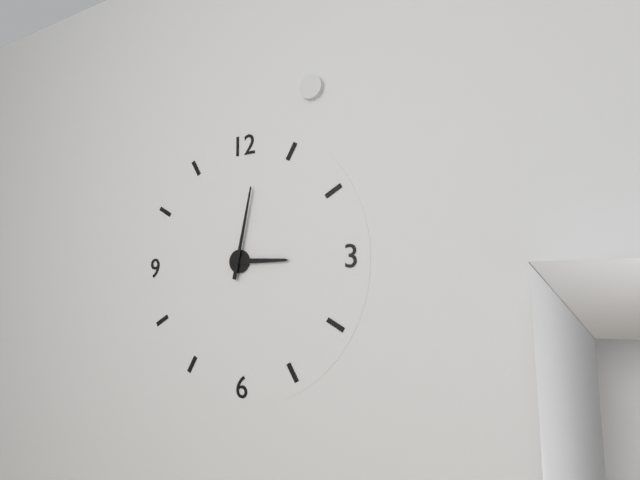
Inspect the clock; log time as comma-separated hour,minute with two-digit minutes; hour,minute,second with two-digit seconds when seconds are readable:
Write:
3,02
